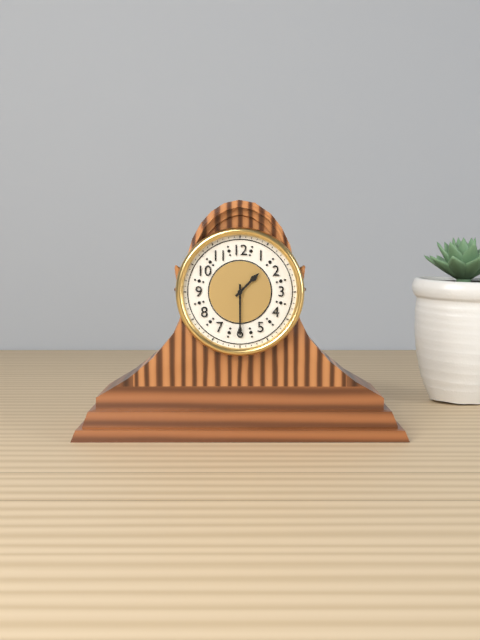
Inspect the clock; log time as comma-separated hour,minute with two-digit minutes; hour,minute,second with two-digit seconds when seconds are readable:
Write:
1,30
